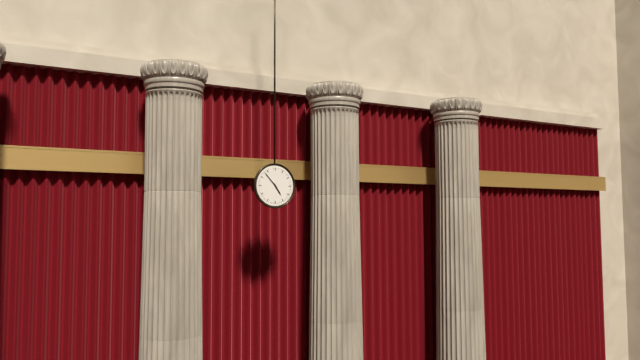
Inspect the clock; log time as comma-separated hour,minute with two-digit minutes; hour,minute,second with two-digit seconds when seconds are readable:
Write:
4,53
